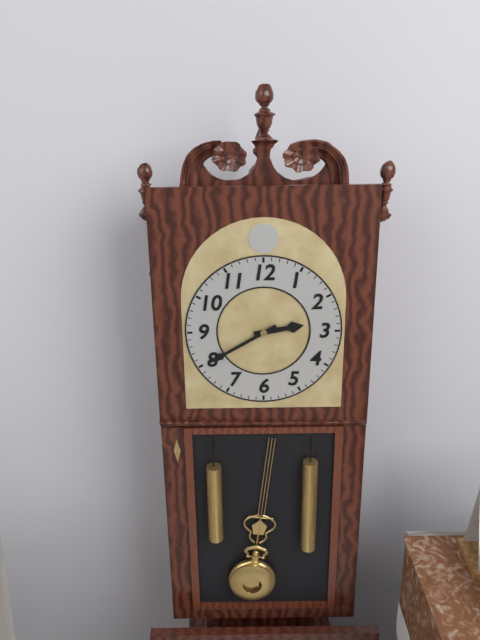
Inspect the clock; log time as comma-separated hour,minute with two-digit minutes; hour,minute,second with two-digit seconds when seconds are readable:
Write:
2,40
